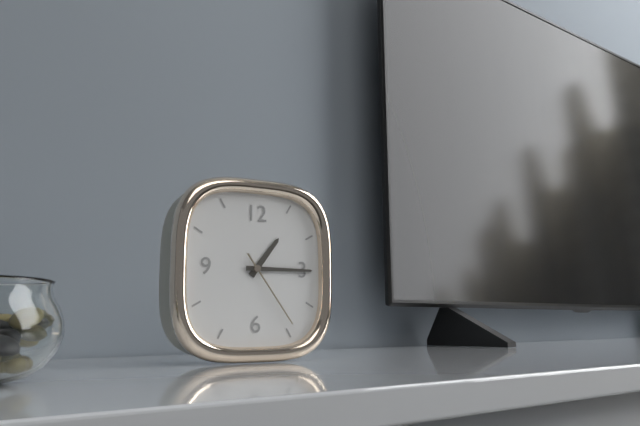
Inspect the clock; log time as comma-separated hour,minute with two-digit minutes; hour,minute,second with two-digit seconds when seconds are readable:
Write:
1,15,24
